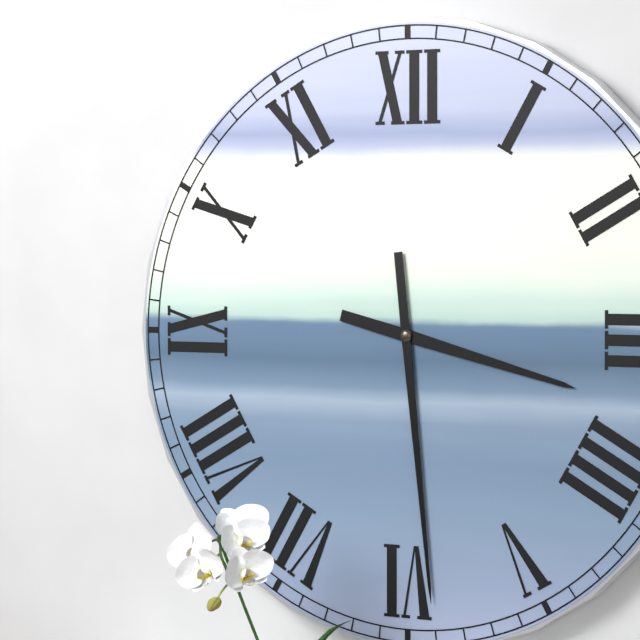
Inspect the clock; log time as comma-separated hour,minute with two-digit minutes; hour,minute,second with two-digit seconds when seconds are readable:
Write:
3,29
